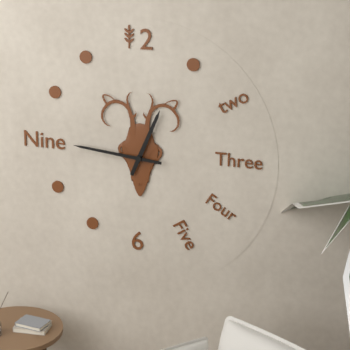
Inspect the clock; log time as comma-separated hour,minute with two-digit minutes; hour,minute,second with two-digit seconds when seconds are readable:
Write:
12,46
